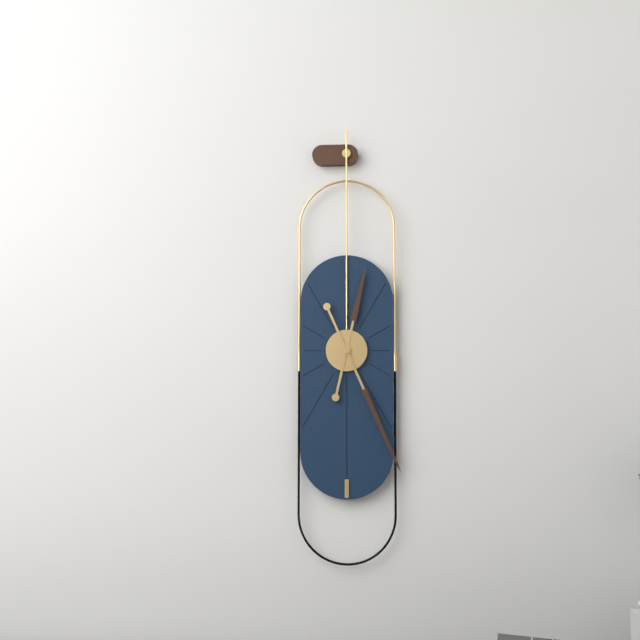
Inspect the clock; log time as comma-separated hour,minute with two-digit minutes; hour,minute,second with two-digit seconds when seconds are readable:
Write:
12,26
